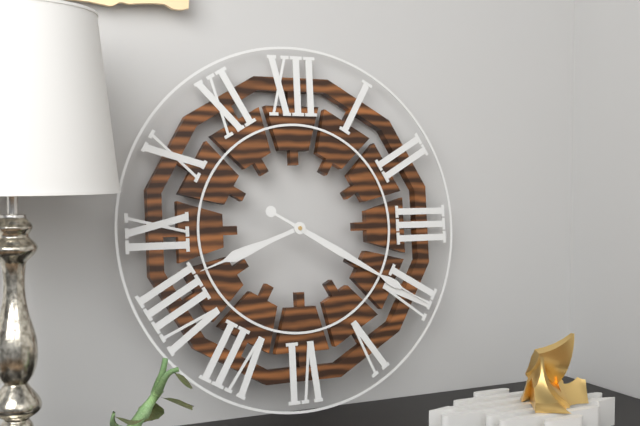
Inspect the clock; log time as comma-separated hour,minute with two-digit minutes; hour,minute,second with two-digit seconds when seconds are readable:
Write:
8,20
